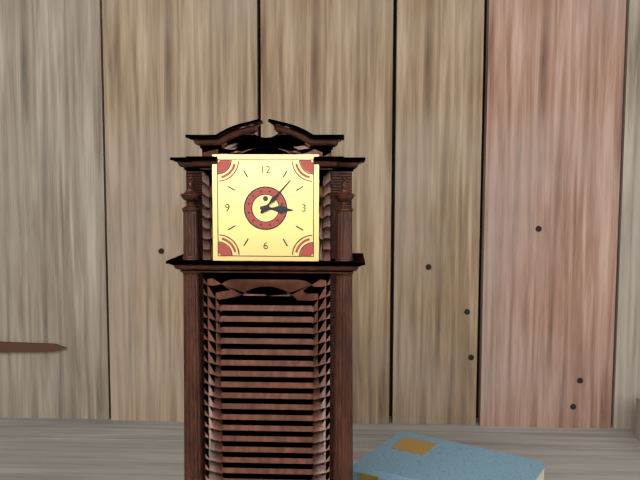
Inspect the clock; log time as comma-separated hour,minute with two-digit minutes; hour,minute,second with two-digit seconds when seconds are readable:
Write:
3,07
